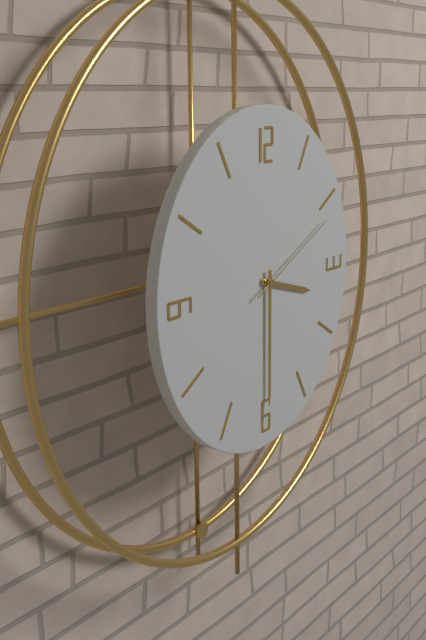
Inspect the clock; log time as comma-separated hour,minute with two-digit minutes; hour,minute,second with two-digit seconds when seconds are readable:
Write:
3,30,11
